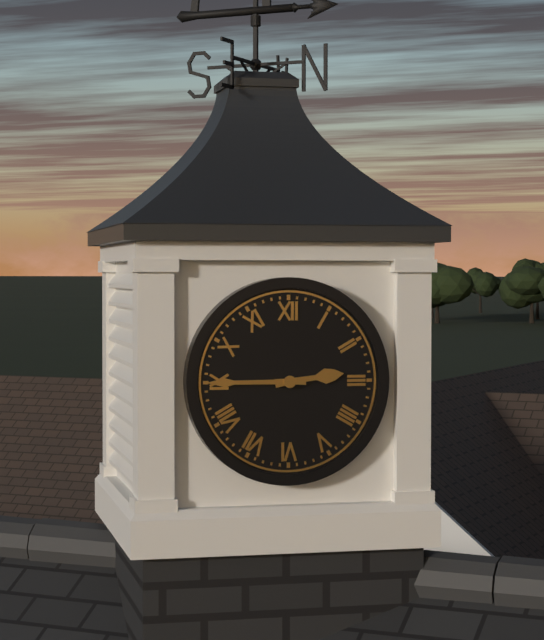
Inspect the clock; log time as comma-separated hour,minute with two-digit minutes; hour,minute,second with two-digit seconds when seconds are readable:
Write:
2,45
